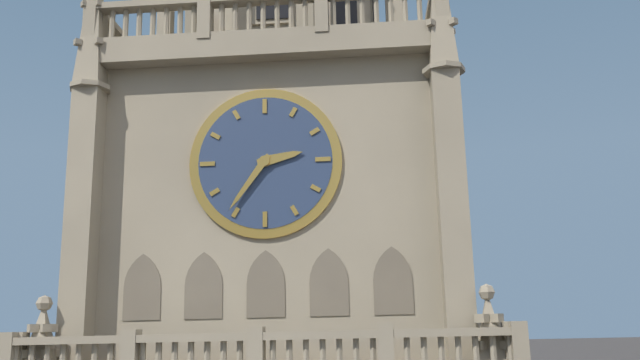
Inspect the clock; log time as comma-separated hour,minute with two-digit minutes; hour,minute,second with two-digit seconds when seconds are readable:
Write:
2,36
